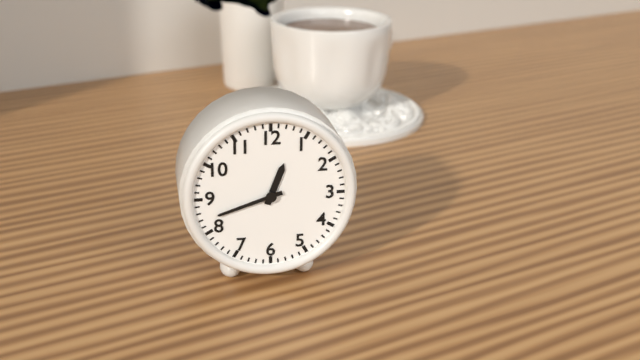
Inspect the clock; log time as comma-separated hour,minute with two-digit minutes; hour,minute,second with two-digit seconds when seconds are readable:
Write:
12,42
